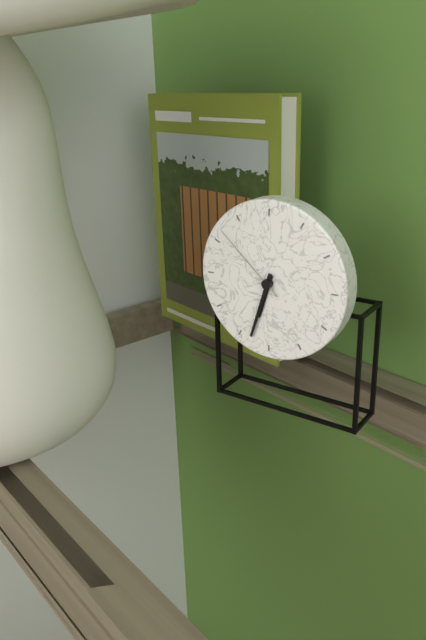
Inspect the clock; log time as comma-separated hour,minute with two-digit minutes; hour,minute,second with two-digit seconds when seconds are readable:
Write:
6,33,52
